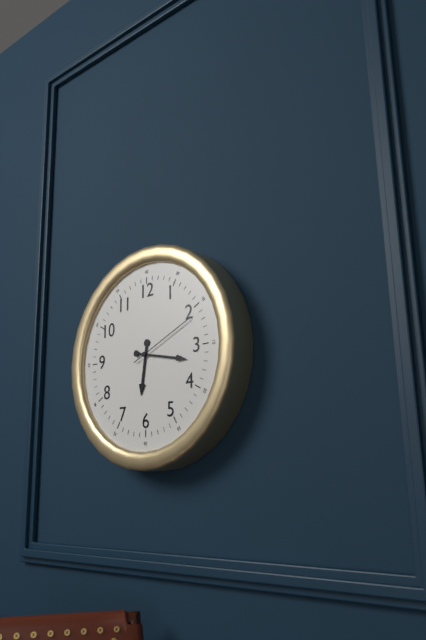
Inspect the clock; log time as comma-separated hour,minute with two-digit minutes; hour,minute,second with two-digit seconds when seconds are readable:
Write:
6,17,11
